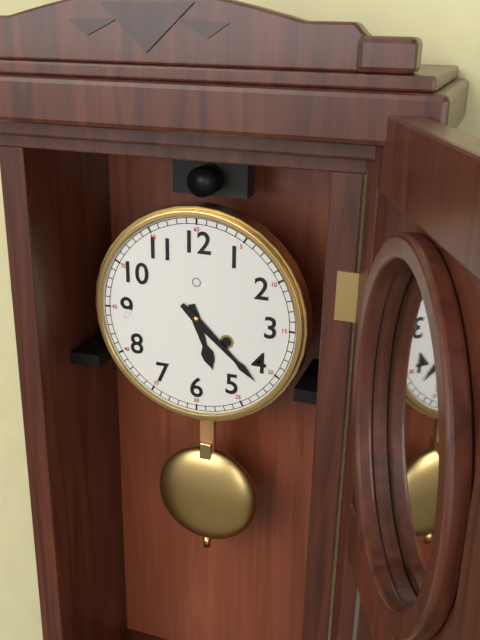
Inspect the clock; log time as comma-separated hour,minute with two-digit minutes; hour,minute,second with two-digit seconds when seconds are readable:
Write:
5,22
